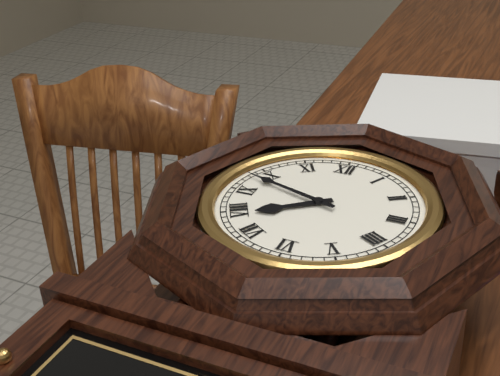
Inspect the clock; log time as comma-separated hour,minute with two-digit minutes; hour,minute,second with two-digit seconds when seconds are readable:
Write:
7,48
